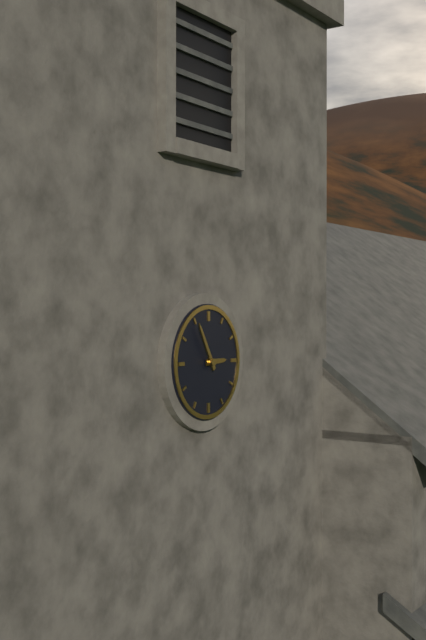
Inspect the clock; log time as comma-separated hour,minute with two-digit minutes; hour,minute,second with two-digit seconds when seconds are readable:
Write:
2,55
